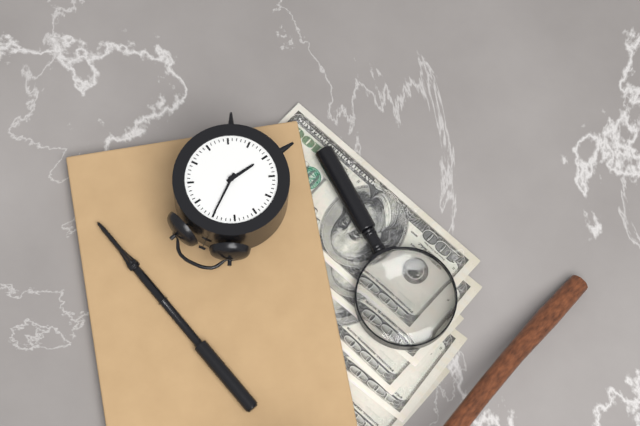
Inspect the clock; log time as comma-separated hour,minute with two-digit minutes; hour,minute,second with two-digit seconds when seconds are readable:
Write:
7,00
